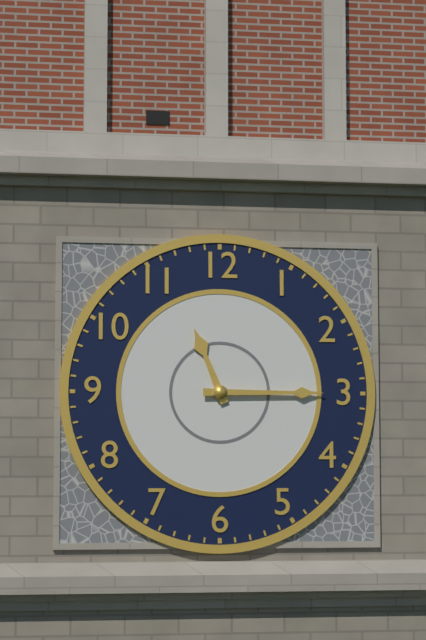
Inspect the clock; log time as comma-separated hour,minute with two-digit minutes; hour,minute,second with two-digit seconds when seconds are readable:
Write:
11,15
